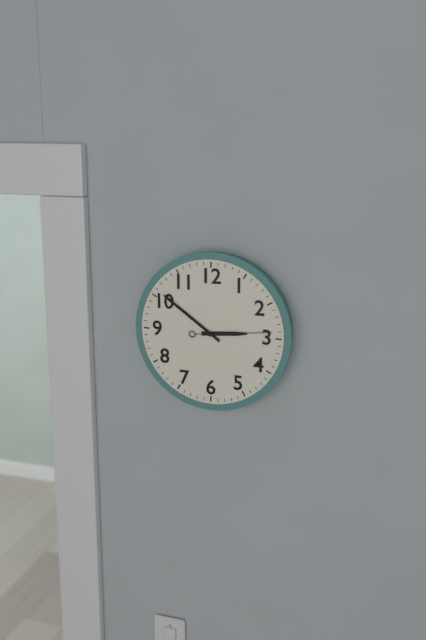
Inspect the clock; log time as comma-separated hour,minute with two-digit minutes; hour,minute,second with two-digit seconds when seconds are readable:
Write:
2,51,14
